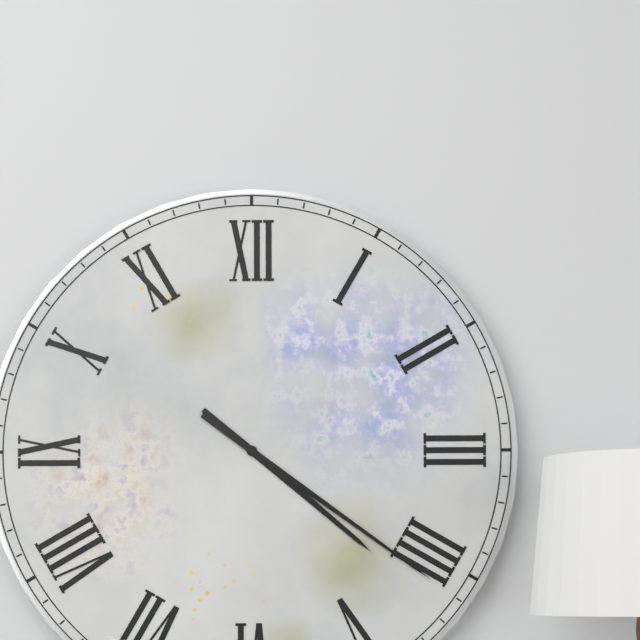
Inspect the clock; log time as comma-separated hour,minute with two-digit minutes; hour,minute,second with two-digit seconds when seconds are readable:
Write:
4,21
